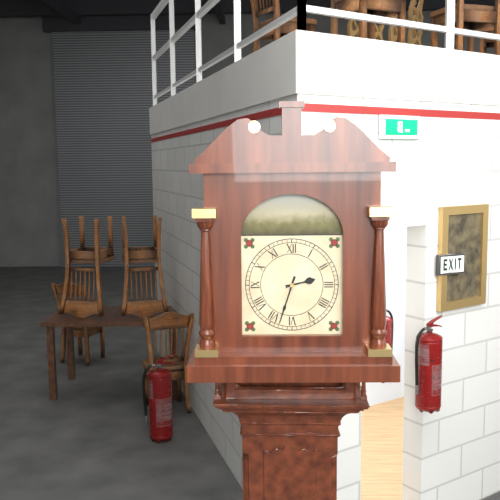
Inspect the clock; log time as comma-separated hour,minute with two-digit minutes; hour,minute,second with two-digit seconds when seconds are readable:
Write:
2,33
